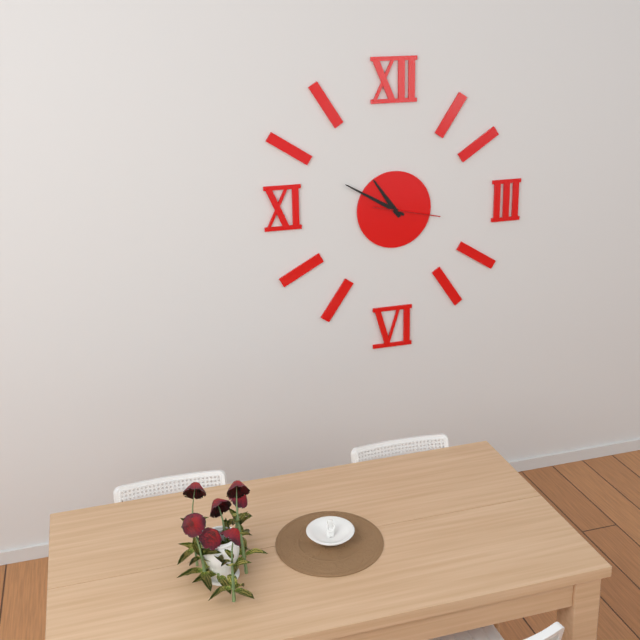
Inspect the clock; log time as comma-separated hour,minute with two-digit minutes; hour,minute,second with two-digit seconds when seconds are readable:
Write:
10,50,17
